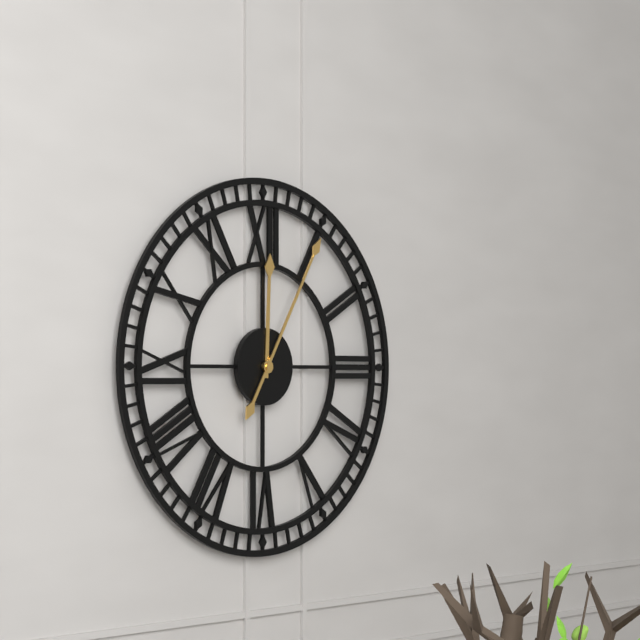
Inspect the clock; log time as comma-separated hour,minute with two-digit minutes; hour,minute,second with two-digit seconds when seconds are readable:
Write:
12,05
